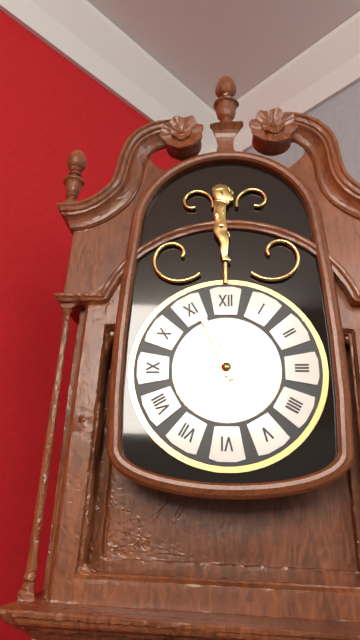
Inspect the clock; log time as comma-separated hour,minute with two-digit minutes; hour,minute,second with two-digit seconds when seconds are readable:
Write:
11,56
